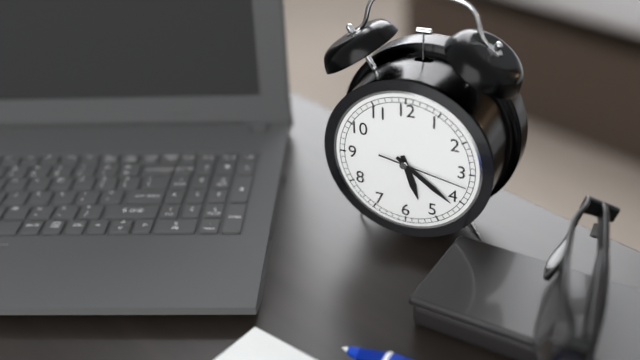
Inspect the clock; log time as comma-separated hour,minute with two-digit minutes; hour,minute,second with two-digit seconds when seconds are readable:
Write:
5,21,17
